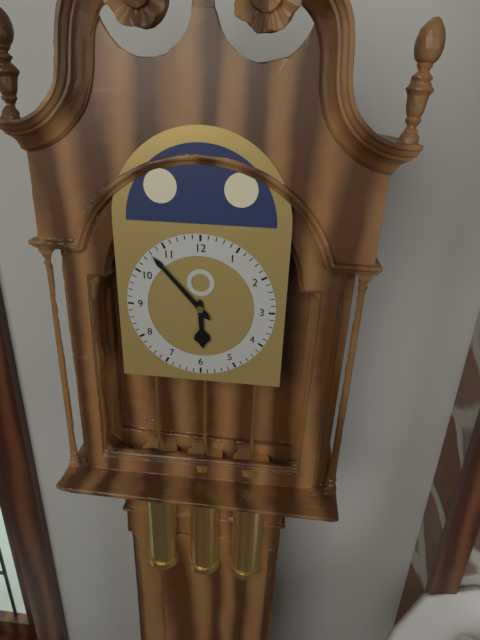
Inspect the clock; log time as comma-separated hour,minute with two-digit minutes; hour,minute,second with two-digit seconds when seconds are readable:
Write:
5,53
